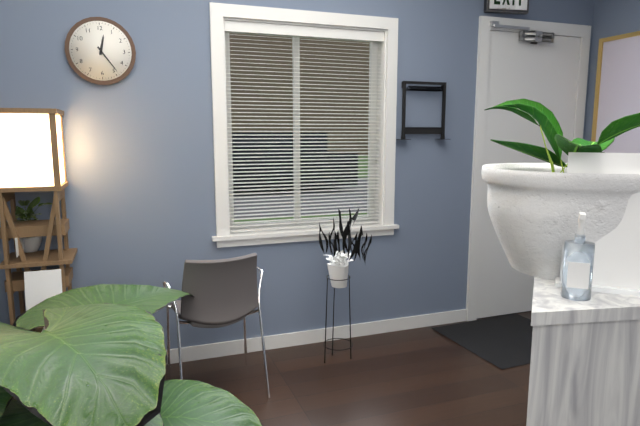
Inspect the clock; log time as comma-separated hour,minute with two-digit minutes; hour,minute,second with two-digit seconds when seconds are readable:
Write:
12,24
